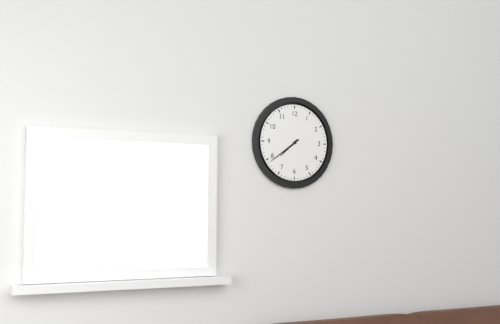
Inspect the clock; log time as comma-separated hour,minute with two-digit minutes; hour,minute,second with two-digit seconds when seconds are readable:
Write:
7,39
